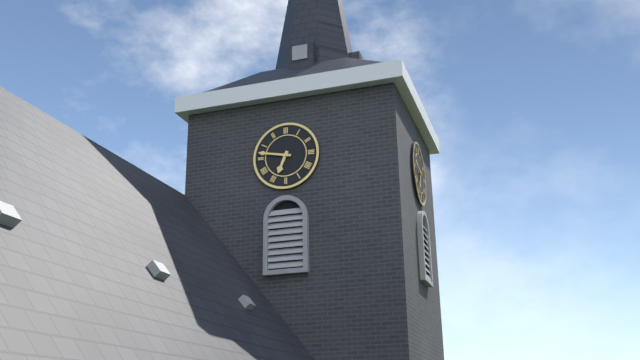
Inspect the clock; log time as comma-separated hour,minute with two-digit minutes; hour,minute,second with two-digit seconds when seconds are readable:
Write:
6,47
